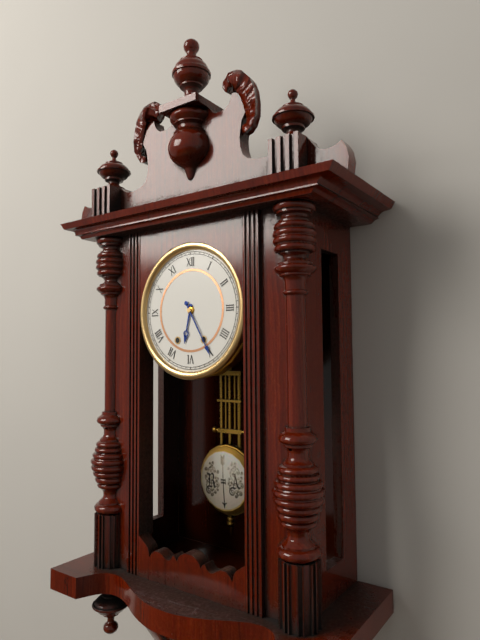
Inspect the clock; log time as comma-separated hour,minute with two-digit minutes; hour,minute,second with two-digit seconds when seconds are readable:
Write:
6,25
